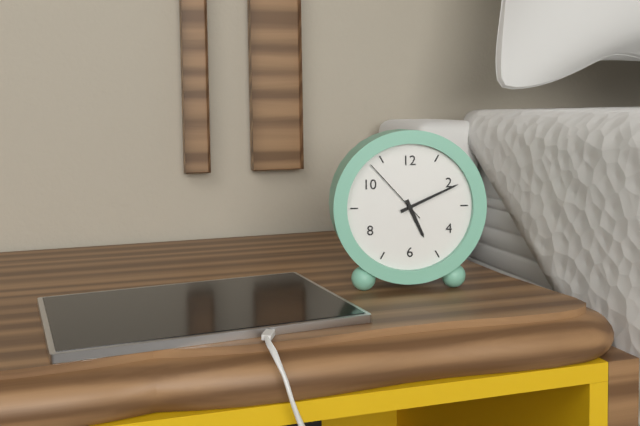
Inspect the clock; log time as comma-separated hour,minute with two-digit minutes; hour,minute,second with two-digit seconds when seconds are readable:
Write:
5,11,53
